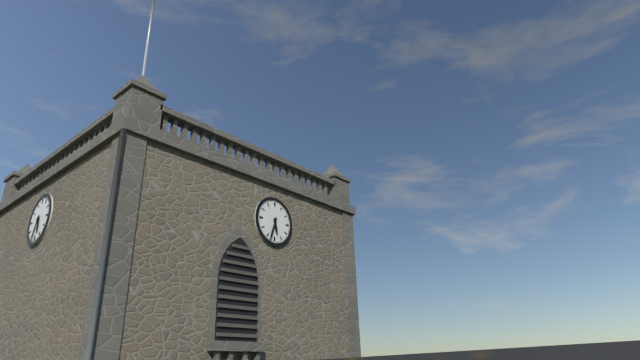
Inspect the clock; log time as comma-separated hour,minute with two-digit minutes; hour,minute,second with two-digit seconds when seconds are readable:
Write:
5,33
